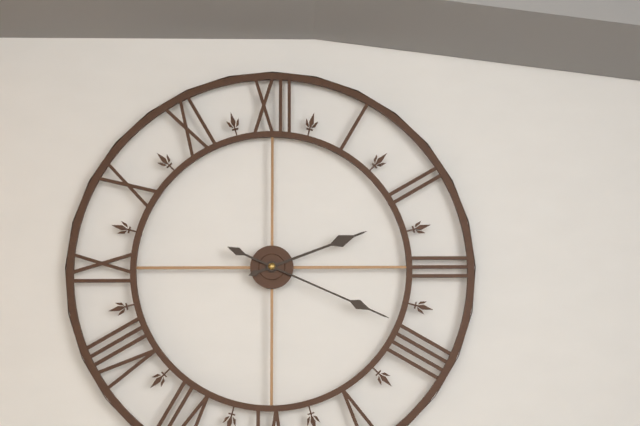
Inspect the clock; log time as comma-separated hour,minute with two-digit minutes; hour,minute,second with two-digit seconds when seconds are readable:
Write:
2,19
